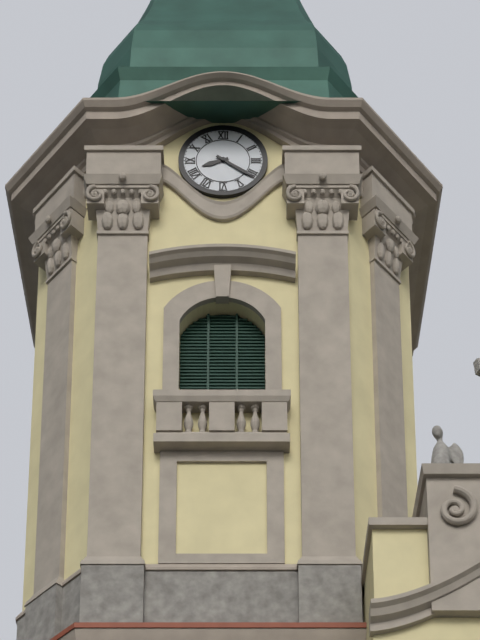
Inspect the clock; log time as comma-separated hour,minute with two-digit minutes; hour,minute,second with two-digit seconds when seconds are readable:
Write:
8,21
